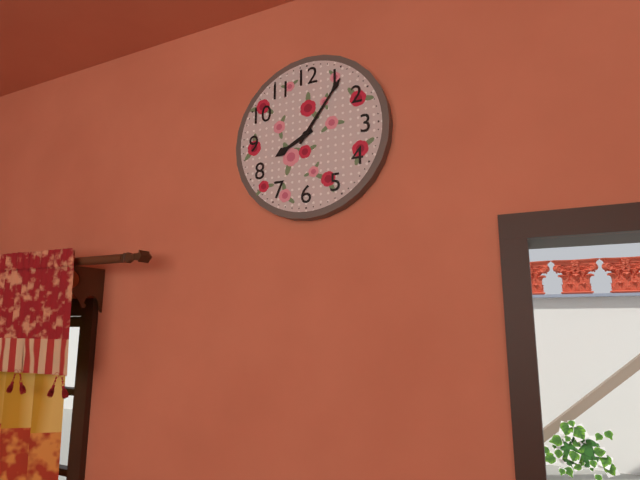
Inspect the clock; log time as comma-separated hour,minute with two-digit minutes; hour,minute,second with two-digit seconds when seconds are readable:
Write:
8,06
